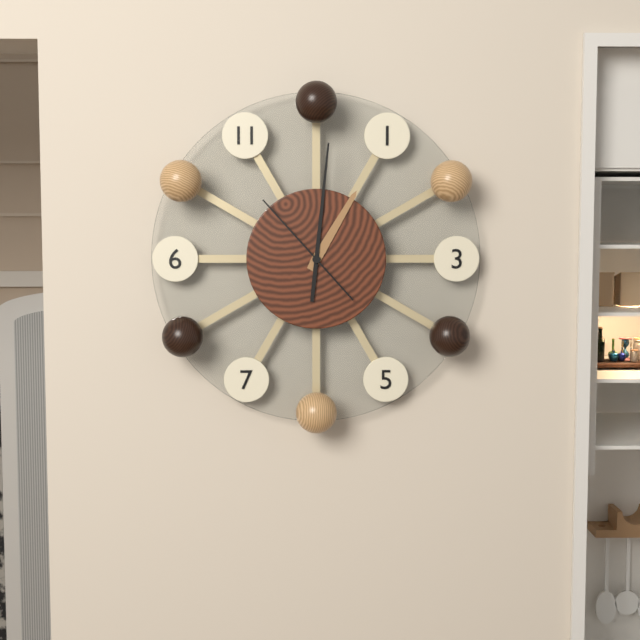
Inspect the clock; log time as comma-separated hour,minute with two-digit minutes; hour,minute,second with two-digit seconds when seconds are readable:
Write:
1,01,53
